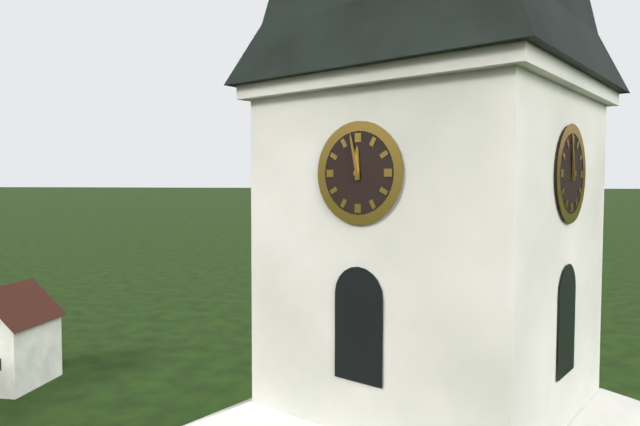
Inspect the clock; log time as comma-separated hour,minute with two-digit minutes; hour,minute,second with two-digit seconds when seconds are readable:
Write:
11,58
